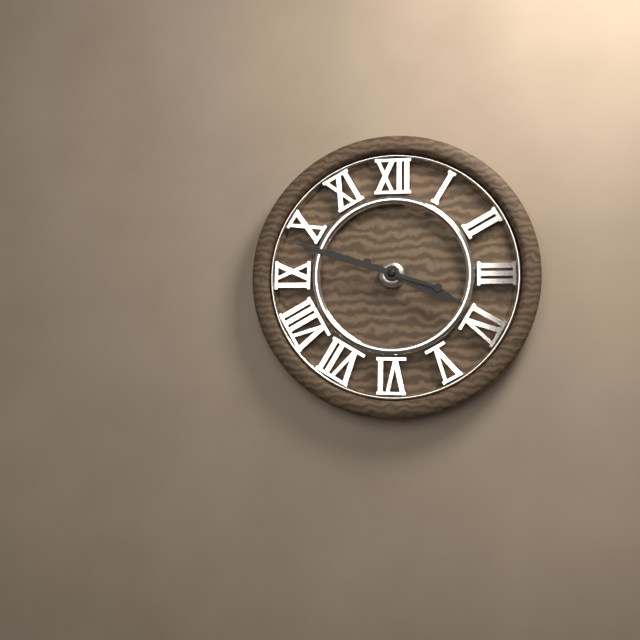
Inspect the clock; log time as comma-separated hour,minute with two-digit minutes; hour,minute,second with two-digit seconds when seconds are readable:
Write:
3,48
